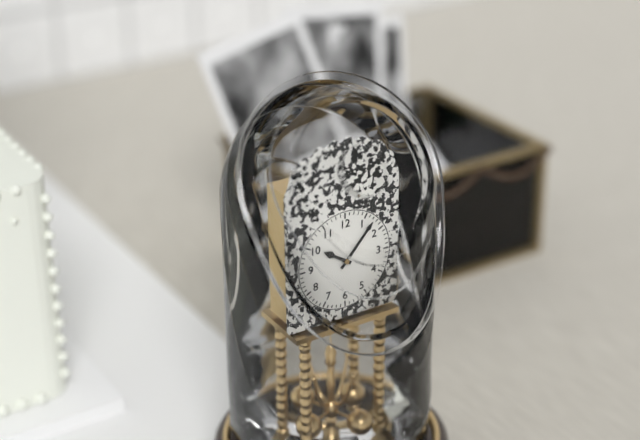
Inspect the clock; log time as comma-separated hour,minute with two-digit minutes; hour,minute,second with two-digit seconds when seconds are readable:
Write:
10,07
